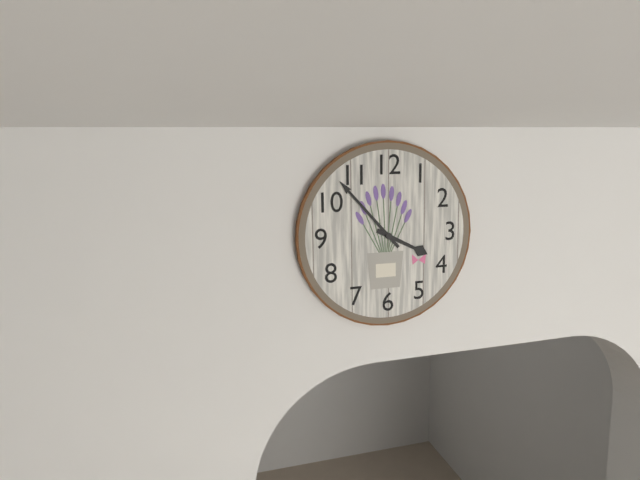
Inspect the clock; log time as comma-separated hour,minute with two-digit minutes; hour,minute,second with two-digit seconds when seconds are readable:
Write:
3,53
